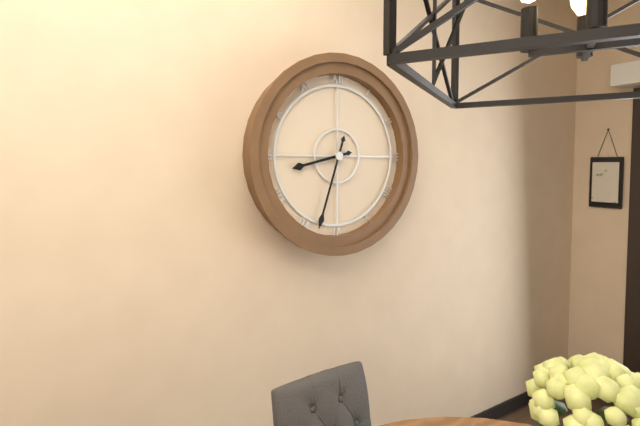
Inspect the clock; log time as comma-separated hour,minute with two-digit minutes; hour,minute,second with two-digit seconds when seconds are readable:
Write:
8,33
